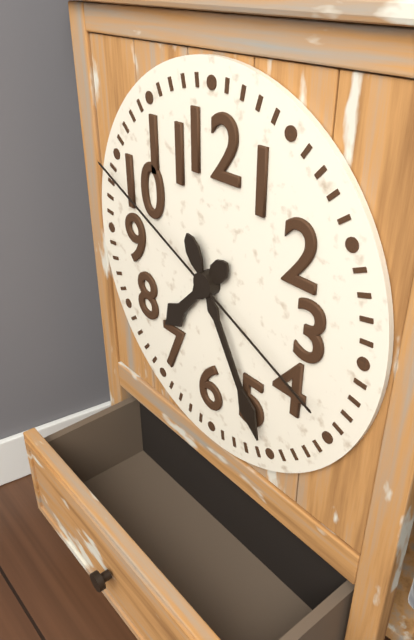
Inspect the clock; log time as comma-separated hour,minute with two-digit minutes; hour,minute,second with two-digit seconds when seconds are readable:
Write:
7,25,49
